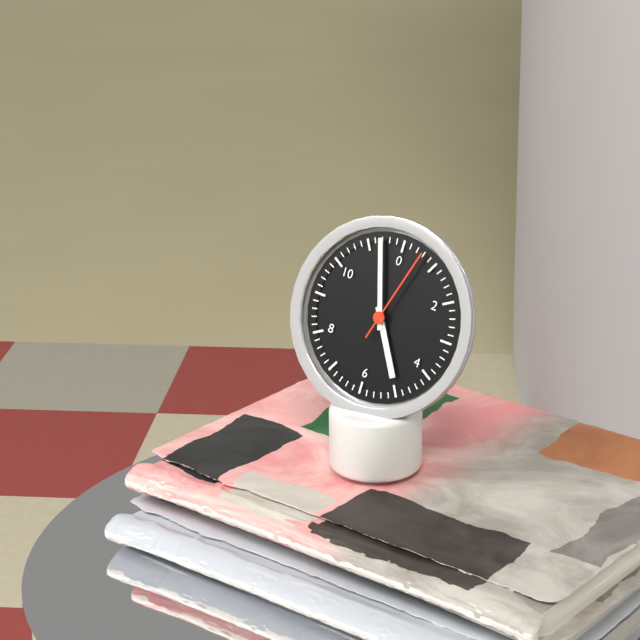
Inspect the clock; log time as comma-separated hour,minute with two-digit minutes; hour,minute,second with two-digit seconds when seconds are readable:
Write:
4,57,03
